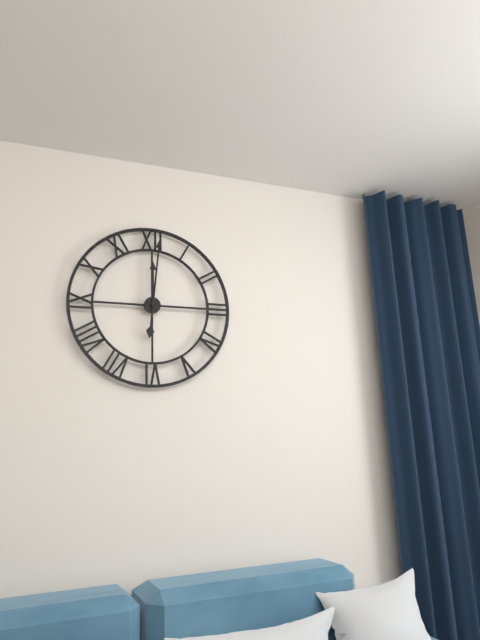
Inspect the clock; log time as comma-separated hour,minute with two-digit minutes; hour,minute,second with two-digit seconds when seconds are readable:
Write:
12,01
